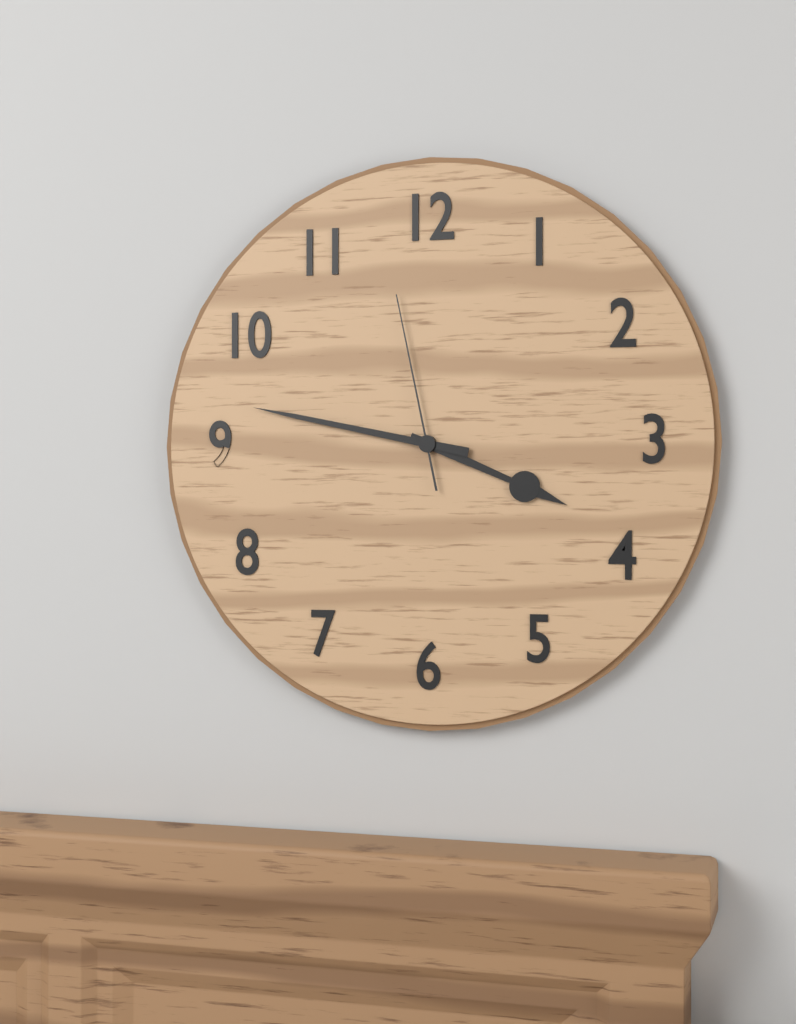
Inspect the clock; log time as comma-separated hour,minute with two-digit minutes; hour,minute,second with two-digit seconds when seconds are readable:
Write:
3,47,58
